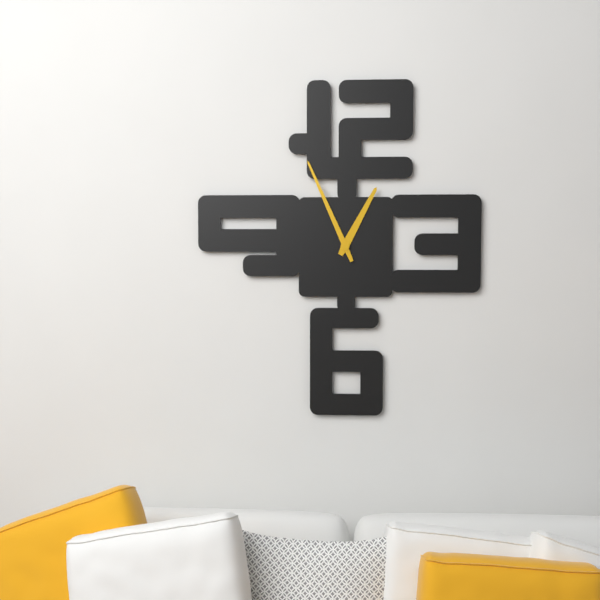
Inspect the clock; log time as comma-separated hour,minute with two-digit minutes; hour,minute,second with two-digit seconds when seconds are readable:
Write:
12,56
